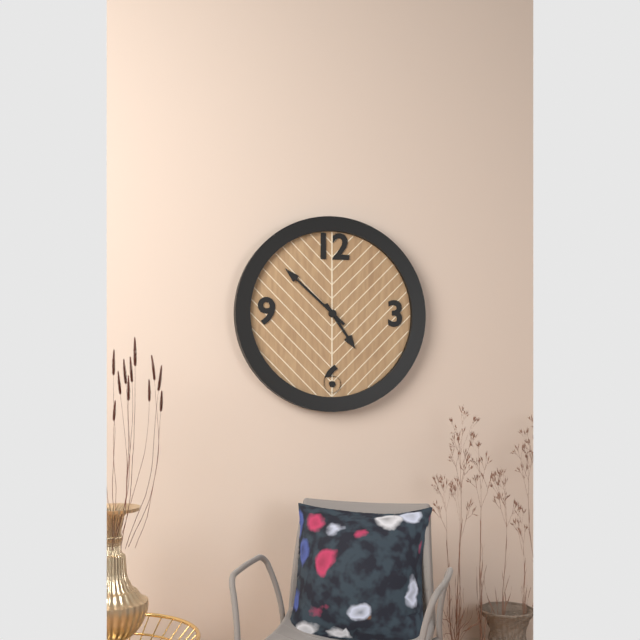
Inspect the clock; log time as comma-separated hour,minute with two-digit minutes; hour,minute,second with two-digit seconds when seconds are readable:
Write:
4,52
